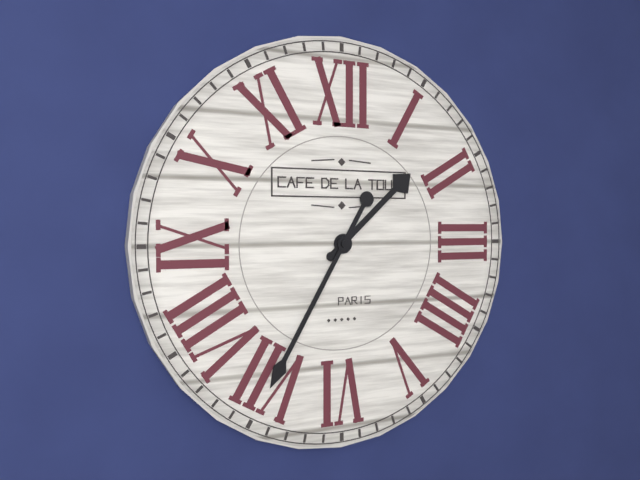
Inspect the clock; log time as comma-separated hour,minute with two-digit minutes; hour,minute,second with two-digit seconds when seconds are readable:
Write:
1,35
